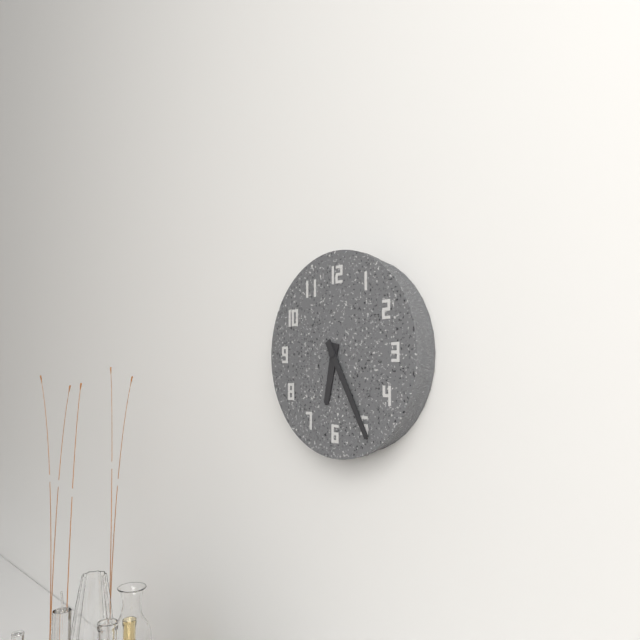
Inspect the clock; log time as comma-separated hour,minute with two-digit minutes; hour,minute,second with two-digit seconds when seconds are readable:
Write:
6,25
